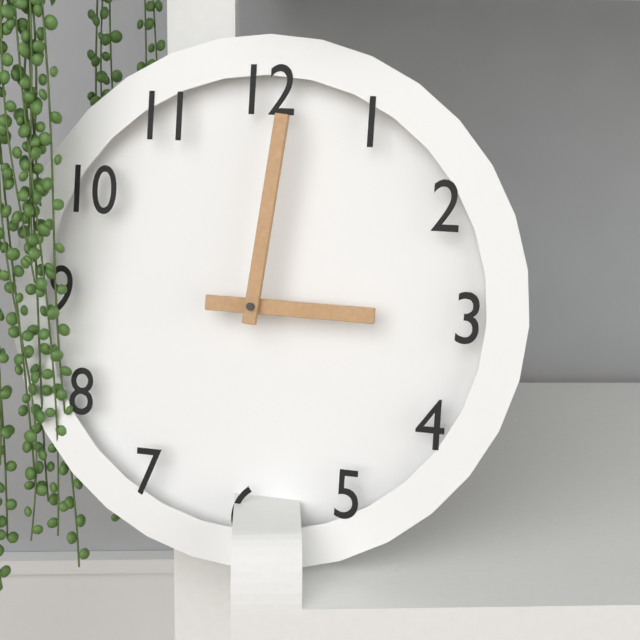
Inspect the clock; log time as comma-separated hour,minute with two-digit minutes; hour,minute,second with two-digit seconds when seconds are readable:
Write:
3,01
